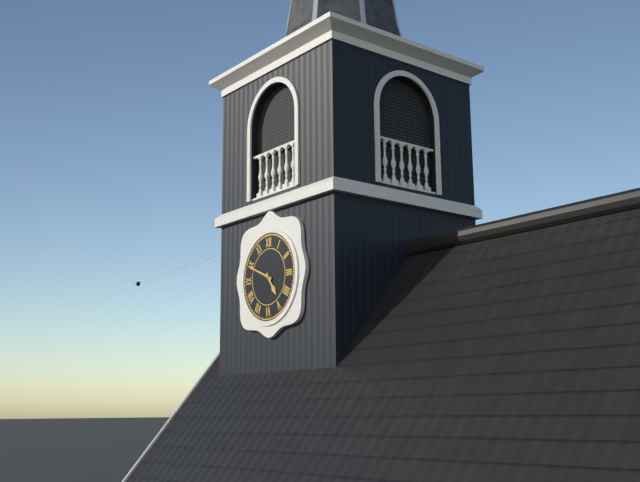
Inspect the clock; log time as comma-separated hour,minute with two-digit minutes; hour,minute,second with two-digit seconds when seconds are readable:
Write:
4,49
